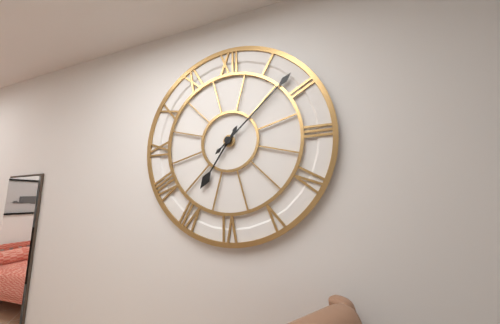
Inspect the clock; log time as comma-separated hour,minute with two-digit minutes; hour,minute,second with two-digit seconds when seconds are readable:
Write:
7,08
